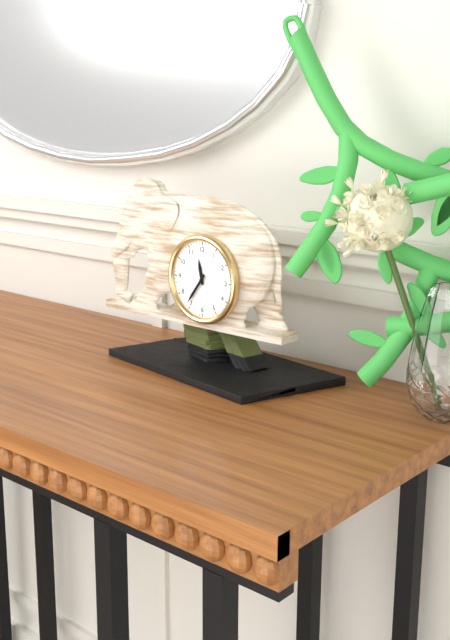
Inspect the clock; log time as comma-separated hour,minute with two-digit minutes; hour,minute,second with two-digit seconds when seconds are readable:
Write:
11,36
